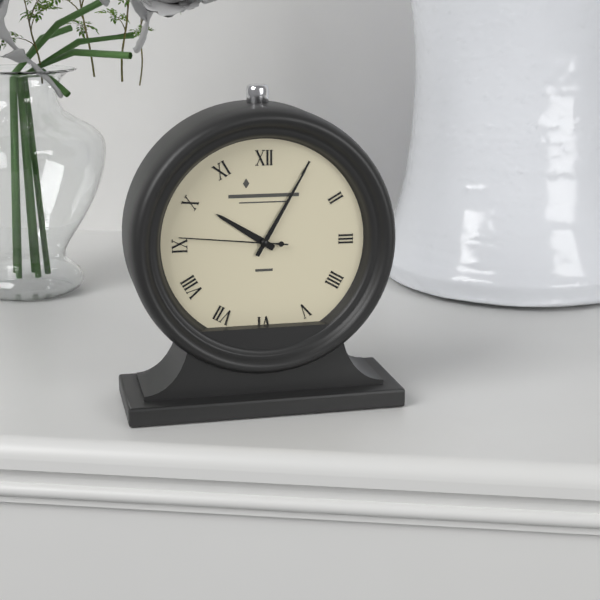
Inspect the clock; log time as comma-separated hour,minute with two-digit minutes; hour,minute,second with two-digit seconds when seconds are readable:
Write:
10,05,46
